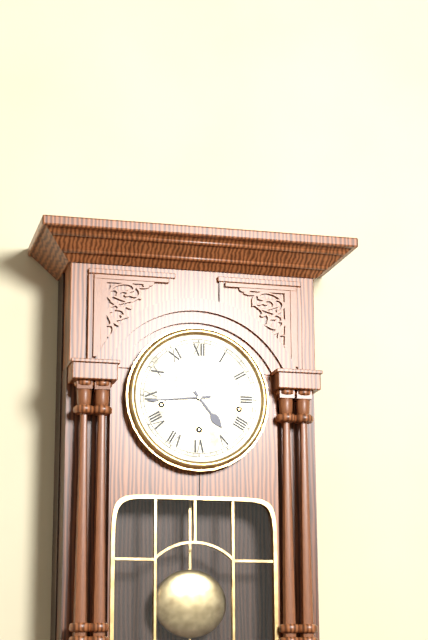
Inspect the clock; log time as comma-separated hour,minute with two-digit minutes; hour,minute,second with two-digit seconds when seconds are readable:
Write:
4,44
